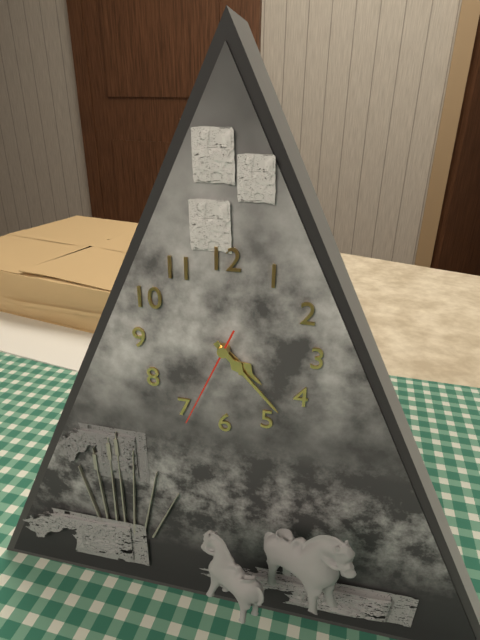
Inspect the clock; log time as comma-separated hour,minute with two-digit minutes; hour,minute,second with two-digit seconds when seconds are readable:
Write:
4,23,34
